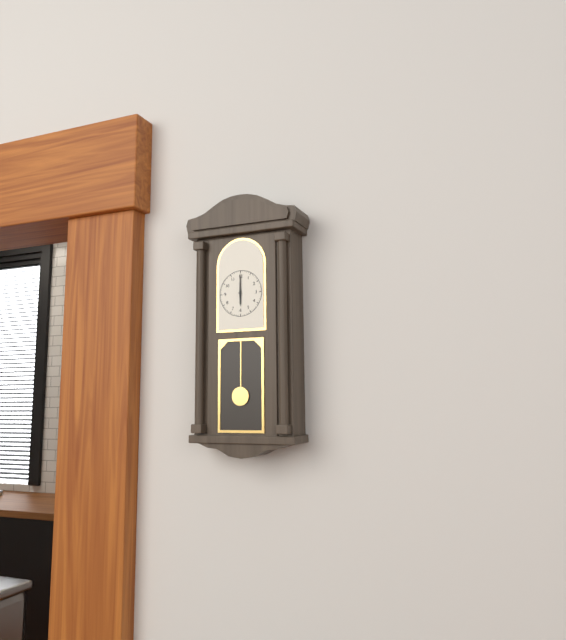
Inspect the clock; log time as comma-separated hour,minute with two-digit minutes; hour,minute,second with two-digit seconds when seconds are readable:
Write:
6,00
